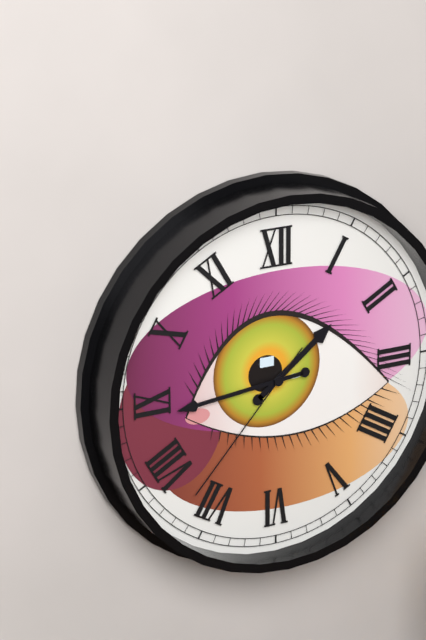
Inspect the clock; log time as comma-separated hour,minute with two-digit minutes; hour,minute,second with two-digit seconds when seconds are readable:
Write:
1,44,37
